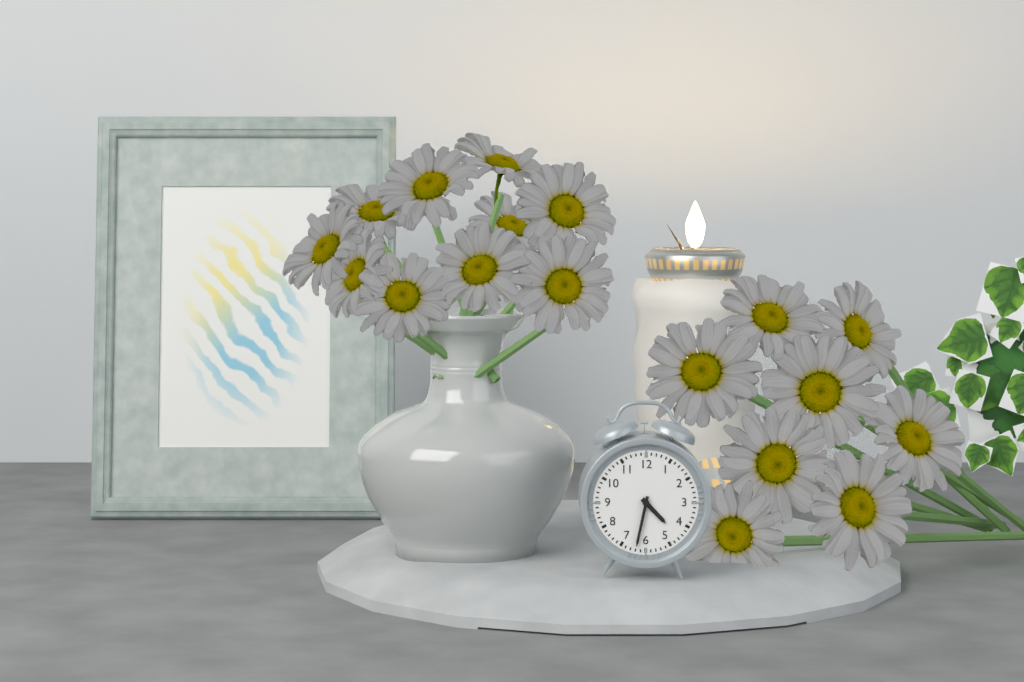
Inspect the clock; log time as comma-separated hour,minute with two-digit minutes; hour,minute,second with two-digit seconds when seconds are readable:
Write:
4,32
